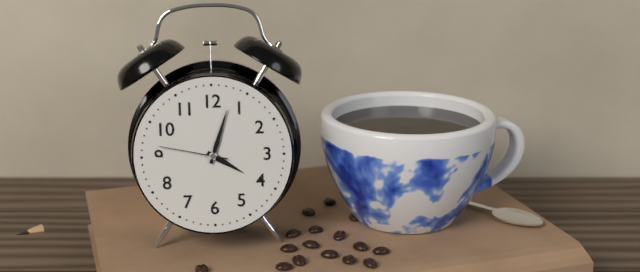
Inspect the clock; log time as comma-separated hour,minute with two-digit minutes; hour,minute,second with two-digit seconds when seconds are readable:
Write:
4,03,47
